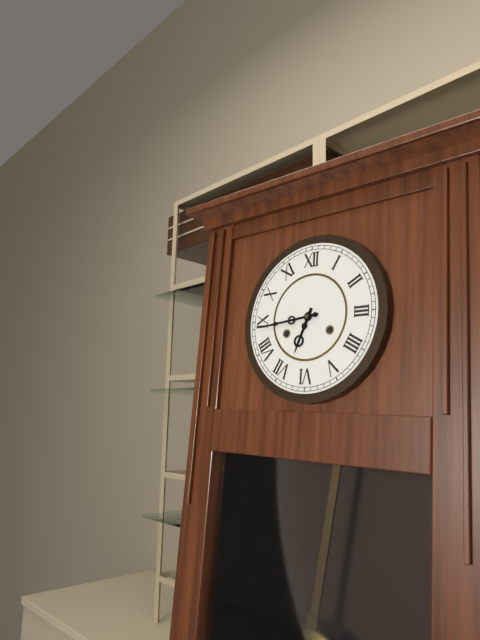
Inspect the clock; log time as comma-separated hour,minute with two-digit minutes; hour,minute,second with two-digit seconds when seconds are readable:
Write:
6,44
